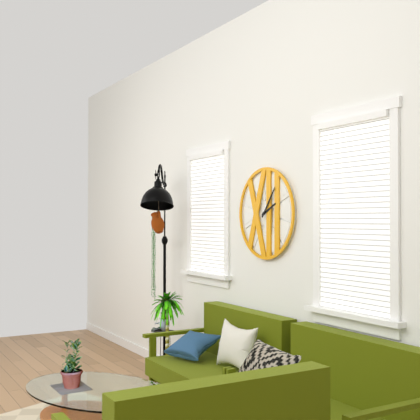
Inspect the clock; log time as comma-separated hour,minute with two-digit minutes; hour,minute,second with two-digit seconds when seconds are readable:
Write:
2,06
